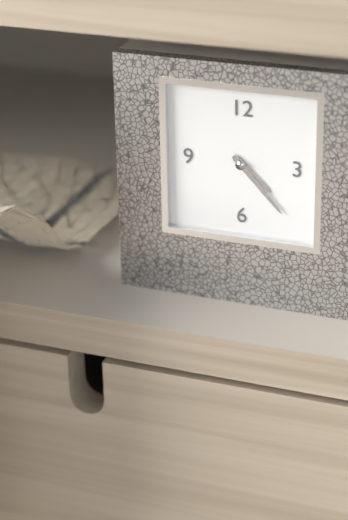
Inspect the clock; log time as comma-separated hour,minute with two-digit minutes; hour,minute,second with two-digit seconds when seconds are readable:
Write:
4,23
